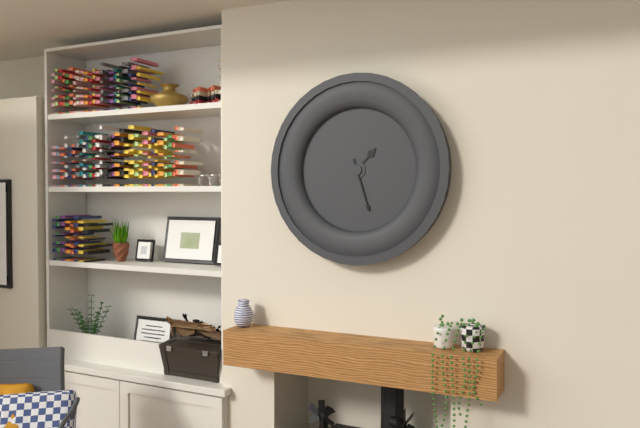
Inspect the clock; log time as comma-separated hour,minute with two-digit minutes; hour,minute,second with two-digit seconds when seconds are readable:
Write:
1,27
